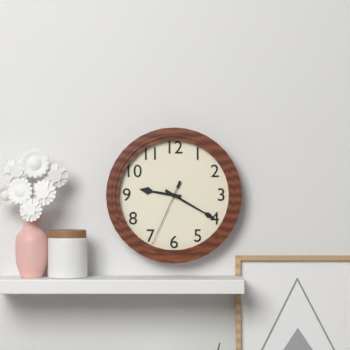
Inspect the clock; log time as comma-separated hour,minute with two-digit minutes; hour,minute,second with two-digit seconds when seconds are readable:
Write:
9,20,34
